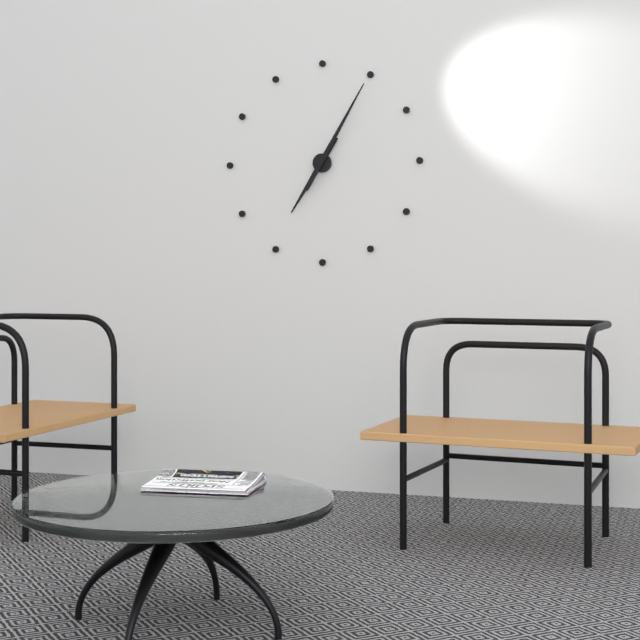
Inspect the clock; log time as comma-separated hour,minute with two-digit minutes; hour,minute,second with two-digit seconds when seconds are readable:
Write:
7,05
